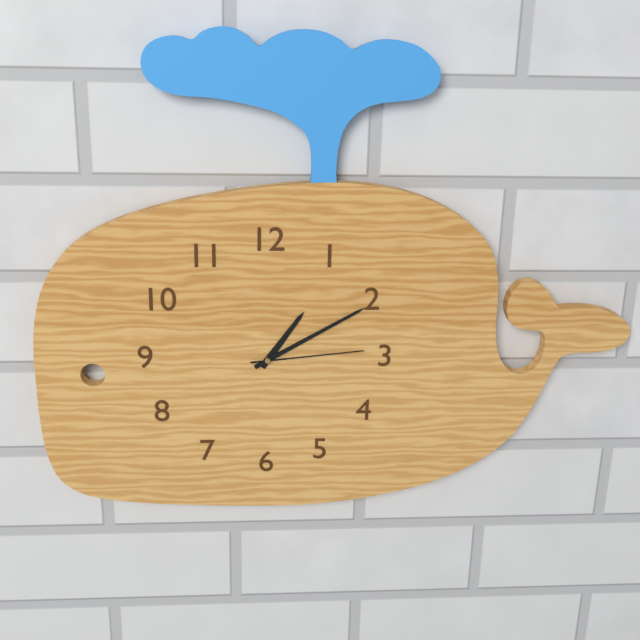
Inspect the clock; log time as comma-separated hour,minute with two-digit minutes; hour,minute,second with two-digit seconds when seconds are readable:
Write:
1,10,14
